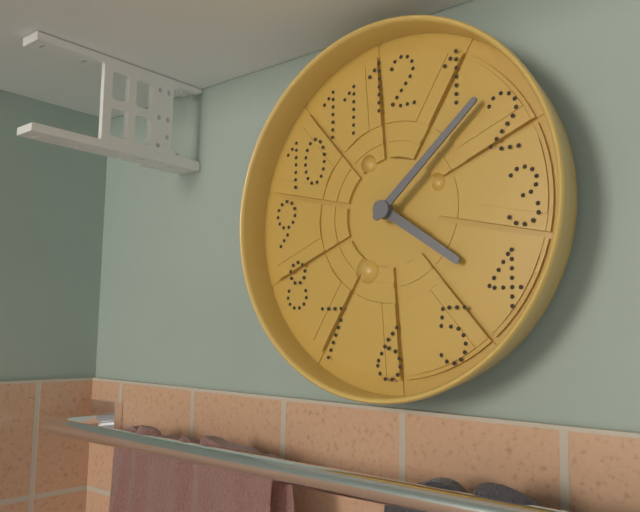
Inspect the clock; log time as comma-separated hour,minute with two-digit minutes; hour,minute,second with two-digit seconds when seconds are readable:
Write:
4,08
